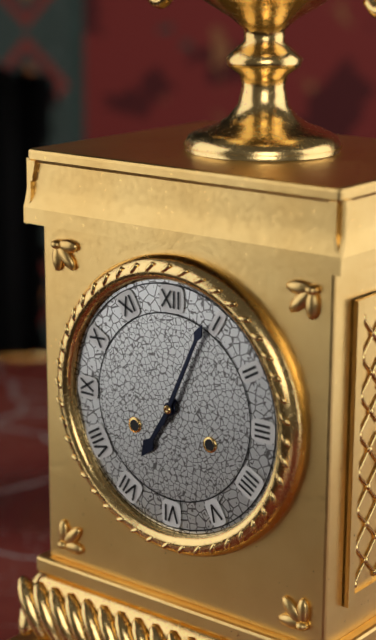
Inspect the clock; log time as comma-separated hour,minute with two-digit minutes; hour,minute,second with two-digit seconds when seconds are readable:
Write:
7,04
